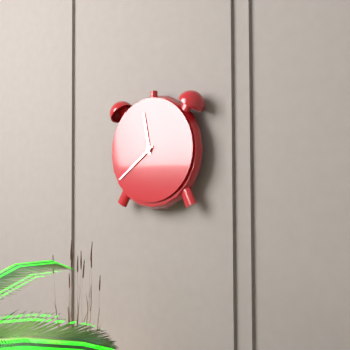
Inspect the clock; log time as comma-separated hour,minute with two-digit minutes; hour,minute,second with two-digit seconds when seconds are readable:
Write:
11,39
